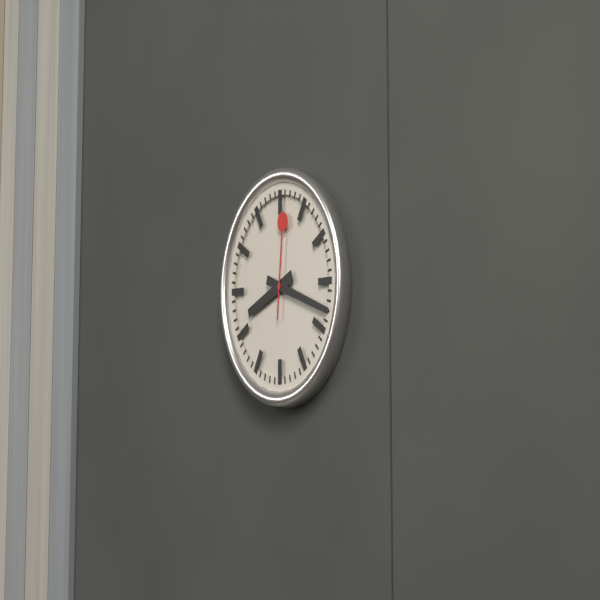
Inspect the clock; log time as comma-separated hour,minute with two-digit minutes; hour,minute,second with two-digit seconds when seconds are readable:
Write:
8,18,01
